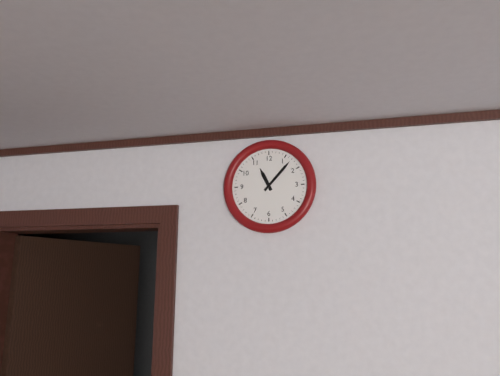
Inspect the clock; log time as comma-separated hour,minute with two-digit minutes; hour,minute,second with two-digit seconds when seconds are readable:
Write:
11,07
